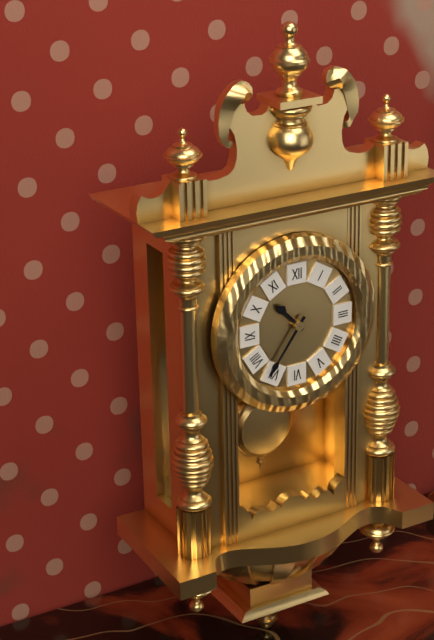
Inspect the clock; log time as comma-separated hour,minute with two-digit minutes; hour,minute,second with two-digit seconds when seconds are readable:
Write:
10,36
